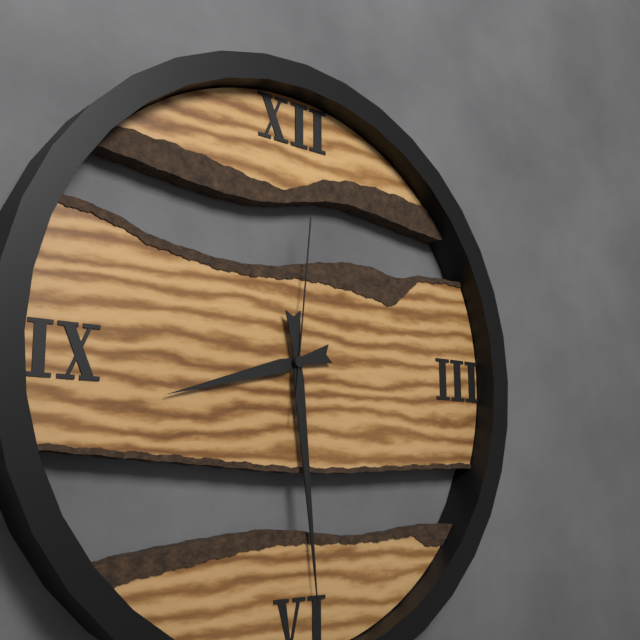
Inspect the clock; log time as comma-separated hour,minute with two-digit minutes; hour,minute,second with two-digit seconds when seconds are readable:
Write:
8,29,01
